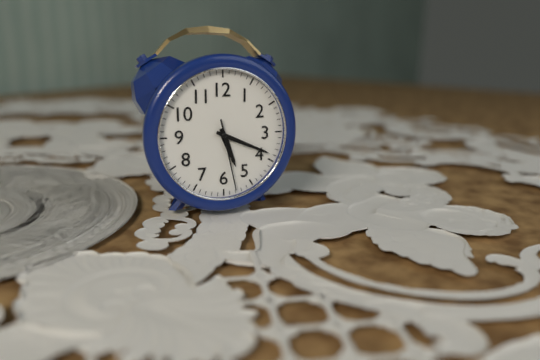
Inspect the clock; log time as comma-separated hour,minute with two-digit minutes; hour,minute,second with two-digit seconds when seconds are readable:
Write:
5,19,28
